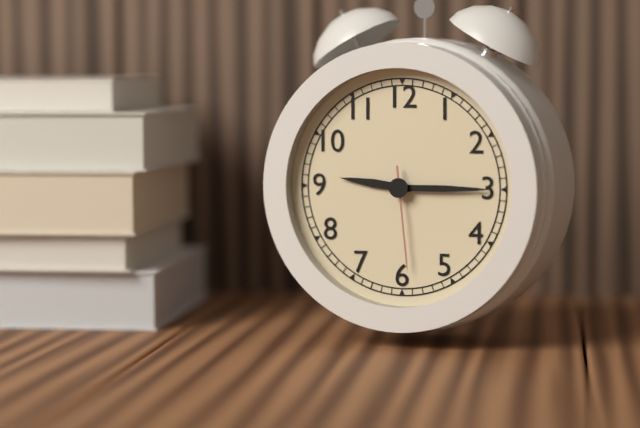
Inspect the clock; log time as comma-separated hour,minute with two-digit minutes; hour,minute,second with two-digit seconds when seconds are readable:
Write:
9,15,29
